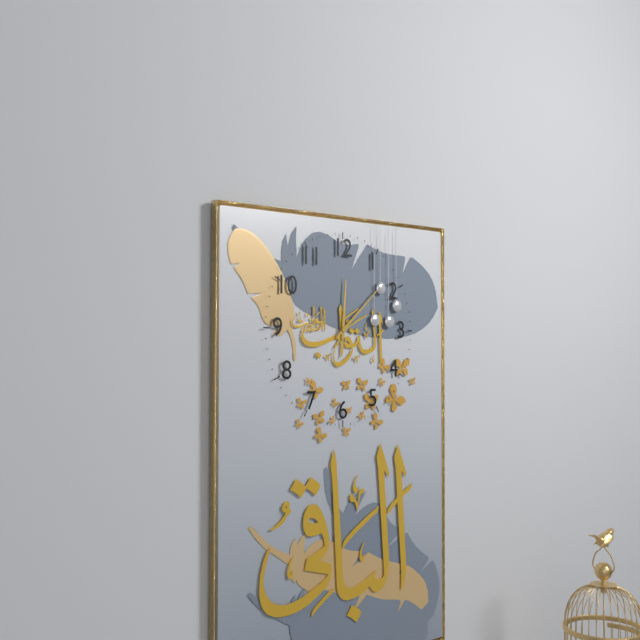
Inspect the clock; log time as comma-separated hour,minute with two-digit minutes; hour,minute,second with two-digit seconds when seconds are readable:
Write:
12,08
